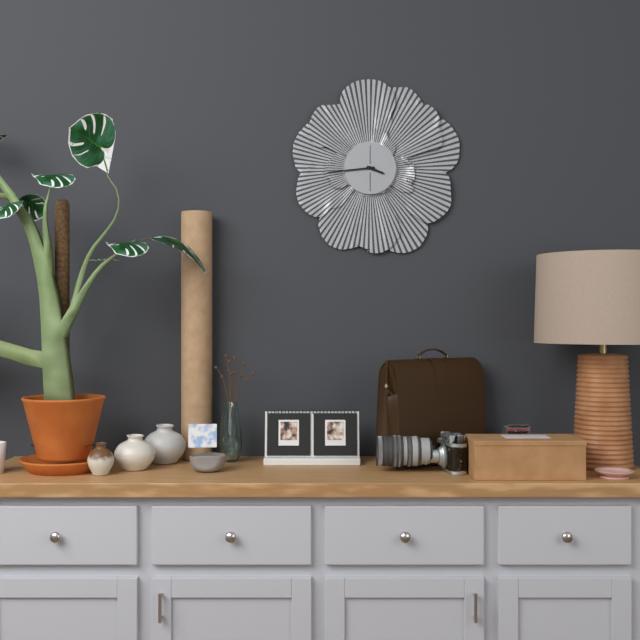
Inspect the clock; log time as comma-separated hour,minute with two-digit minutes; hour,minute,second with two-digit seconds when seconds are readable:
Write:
3,44
